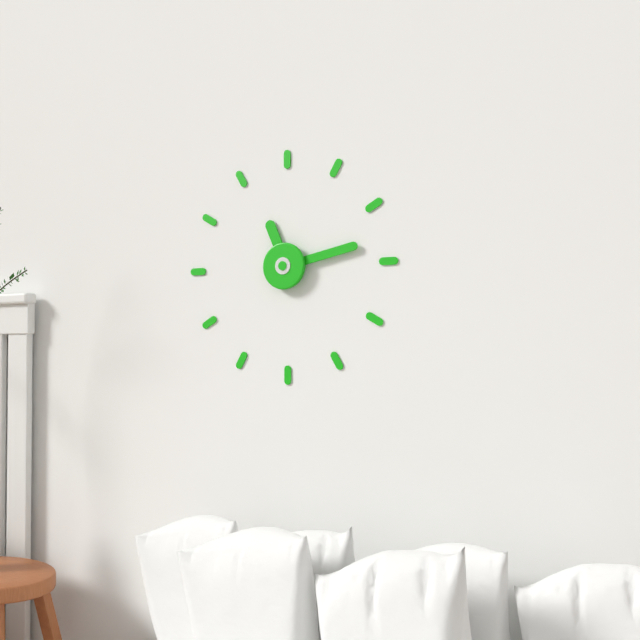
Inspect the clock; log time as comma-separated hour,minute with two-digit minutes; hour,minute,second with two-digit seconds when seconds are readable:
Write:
11,13
